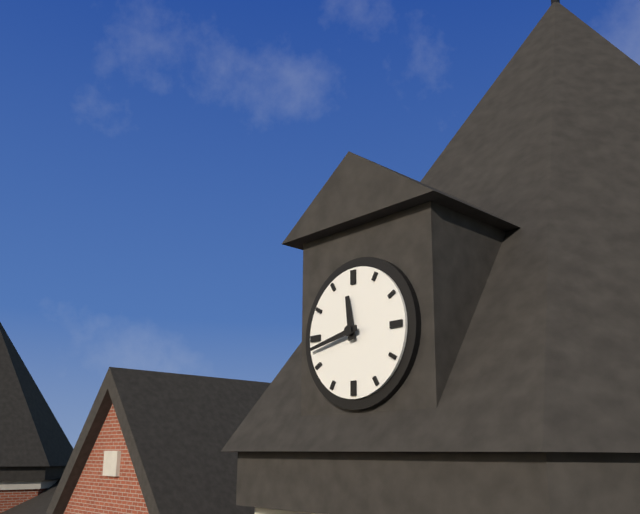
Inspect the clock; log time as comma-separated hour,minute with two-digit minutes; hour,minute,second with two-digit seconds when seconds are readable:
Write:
11,43
